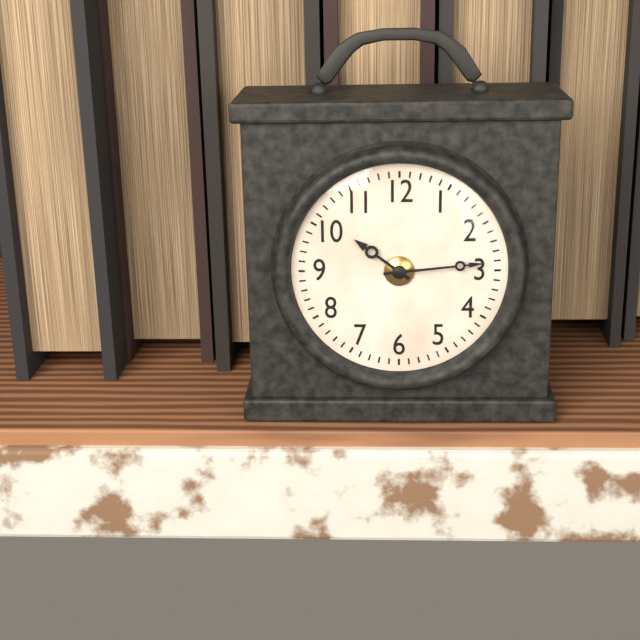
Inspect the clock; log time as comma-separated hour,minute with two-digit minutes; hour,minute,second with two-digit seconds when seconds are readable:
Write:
10,14
